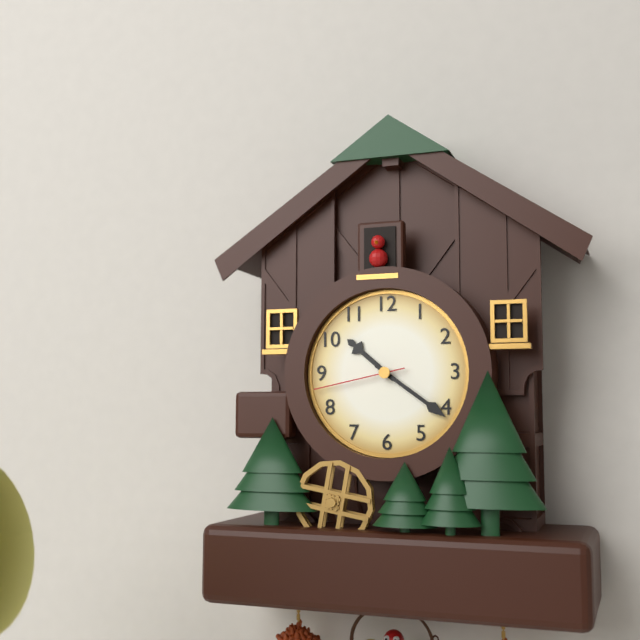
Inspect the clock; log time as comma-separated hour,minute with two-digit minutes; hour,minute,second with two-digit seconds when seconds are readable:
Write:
10,21,43
